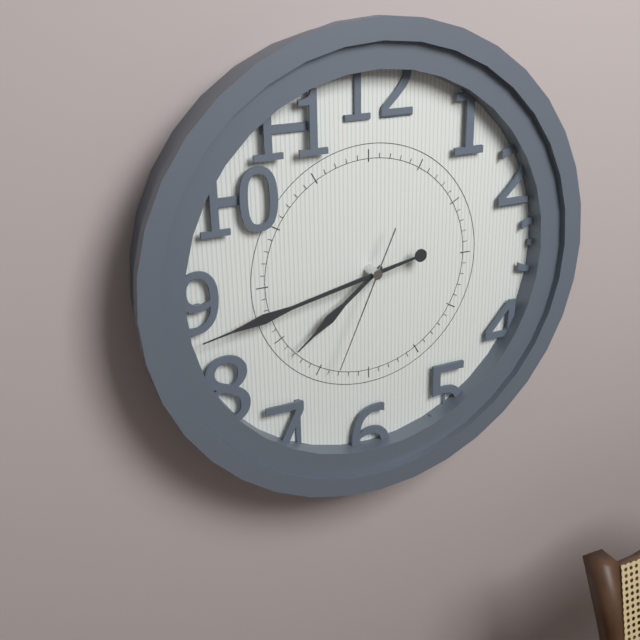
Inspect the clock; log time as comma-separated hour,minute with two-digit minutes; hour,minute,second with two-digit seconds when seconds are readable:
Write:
7,43,34
